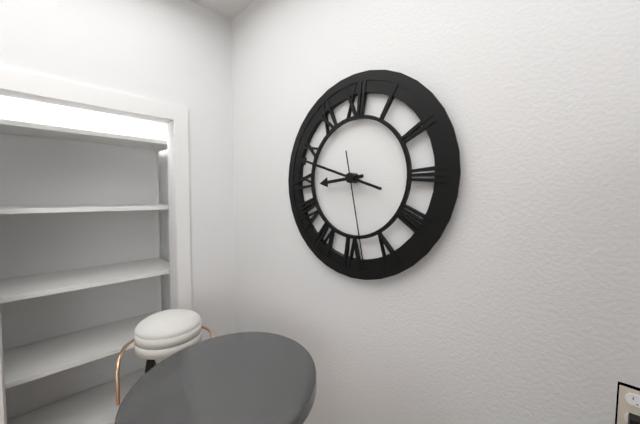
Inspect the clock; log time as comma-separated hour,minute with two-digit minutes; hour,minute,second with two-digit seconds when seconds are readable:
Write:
8,48,28
